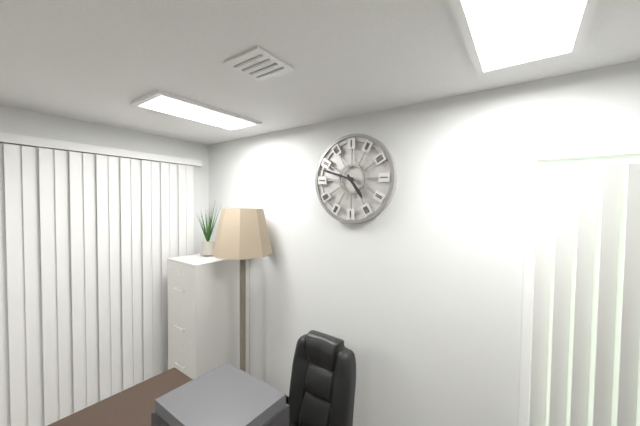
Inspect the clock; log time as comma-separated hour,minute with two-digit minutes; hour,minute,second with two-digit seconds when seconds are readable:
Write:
4,48
